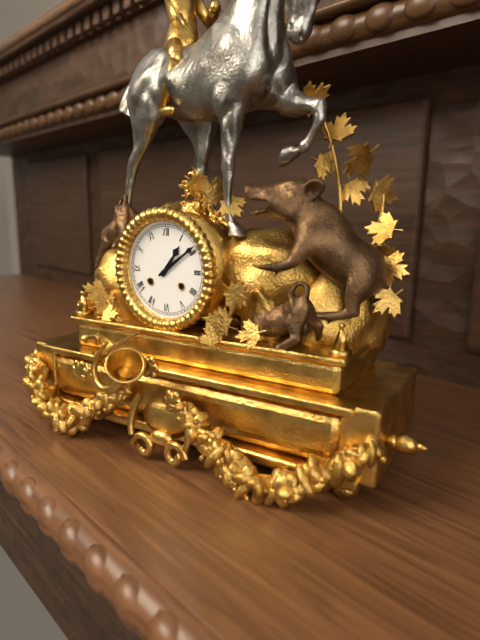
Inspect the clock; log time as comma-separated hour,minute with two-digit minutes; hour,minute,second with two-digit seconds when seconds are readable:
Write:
1,09
